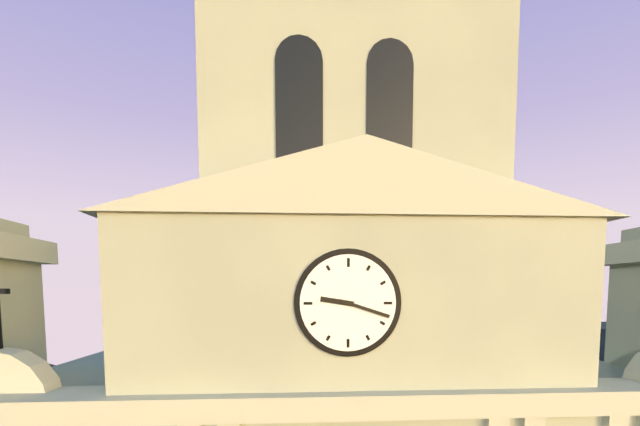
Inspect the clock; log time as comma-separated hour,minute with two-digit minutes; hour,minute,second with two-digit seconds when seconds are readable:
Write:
9,18
